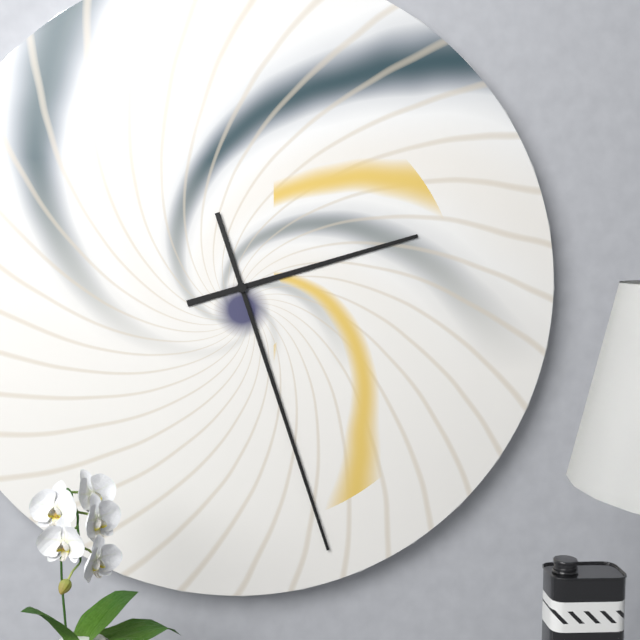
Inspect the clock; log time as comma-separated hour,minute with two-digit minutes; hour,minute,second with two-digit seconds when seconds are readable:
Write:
2,27
